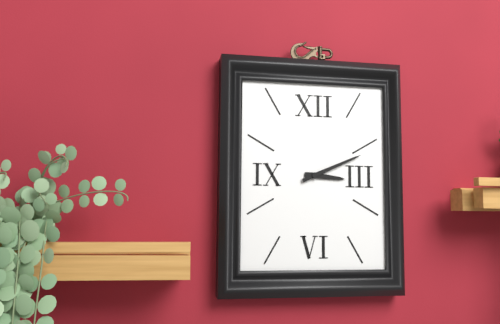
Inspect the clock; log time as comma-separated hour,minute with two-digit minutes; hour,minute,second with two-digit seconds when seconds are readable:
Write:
3,11
